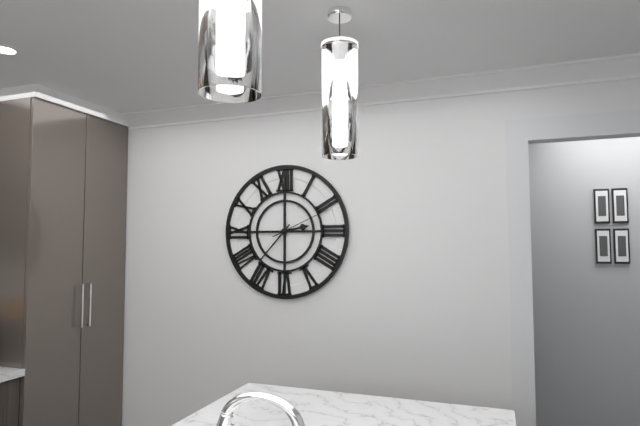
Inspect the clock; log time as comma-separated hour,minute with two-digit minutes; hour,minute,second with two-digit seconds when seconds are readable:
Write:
2,37,11
